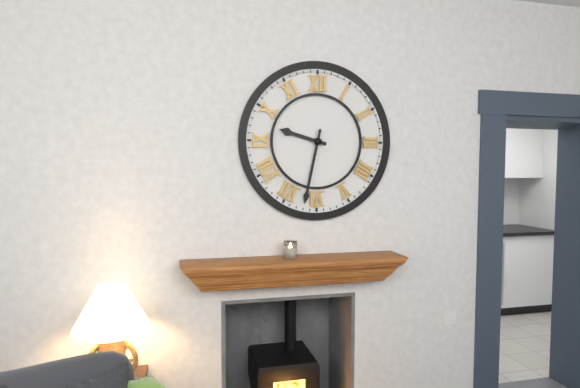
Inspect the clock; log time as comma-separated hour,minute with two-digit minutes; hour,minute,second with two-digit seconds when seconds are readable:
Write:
9,32
